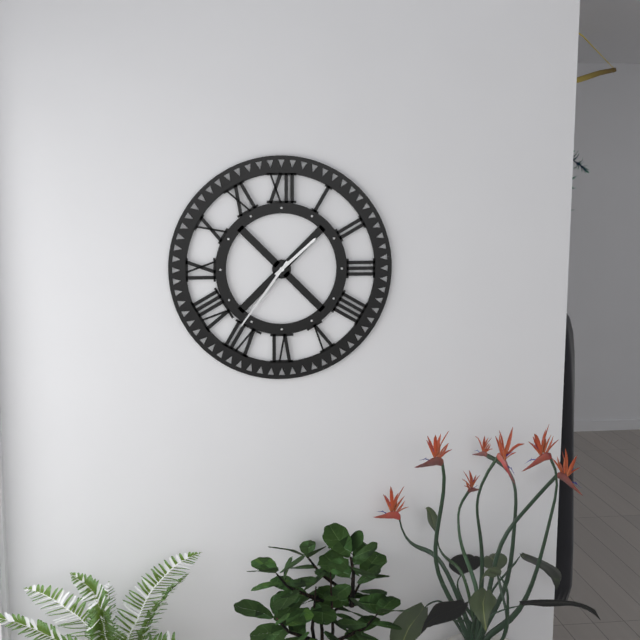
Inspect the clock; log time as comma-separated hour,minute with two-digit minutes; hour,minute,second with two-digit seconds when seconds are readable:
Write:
1,36
